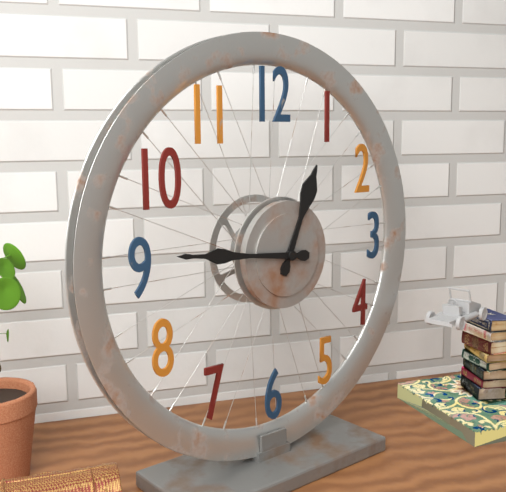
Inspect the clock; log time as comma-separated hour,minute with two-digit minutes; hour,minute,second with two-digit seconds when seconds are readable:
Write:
12,46
